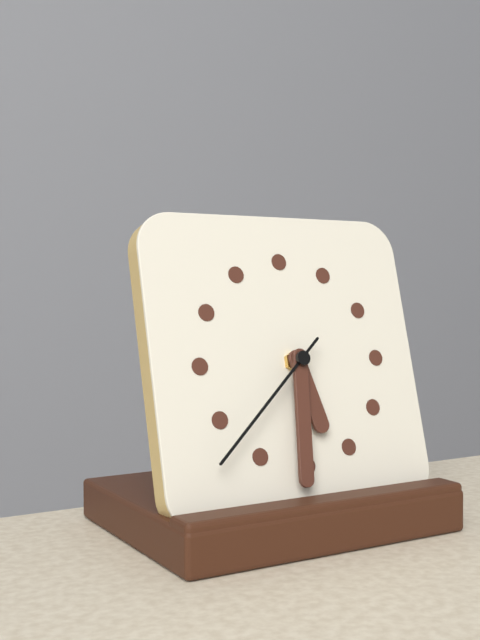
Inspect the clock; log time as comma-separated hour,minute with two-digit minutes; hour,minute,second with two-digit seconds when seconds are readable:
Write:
5,31,38
